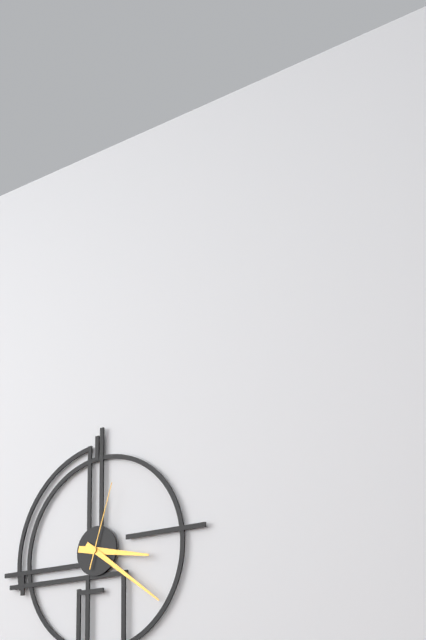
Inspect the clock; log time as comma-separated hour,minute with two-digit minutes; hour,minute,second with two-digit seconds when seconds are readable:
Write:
3,21,03
